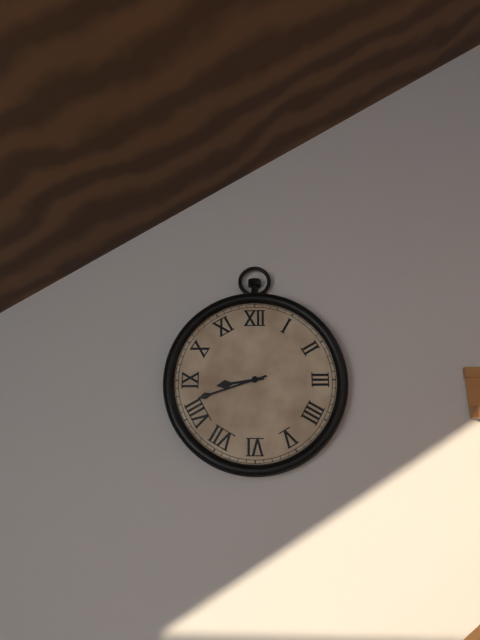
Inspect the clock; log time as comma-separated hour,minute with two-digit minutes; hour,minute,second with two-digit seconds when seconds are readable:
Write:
8,42
